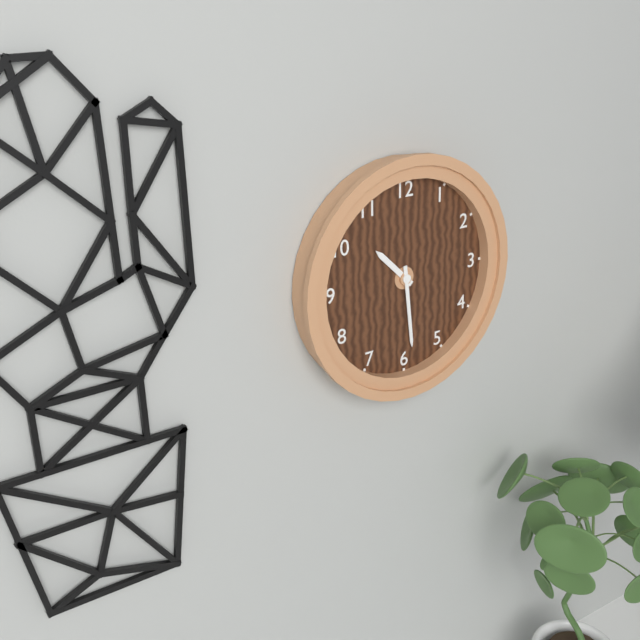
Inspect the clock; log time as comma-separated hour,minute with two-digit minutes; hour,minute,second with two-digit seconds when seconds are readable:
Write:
10,29
